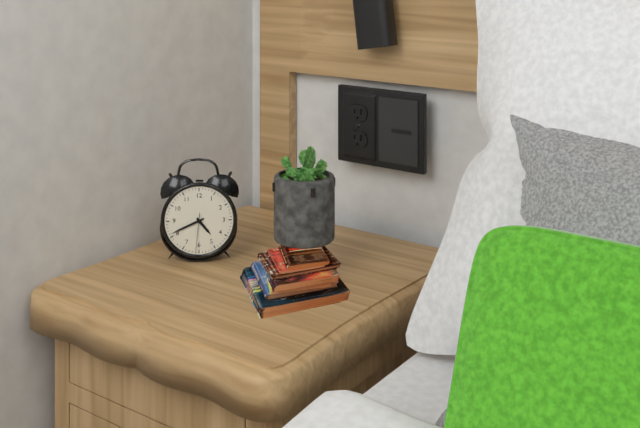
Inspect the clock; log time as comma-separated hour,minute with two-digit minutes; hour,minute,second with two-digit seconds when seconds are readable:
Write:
4,41
